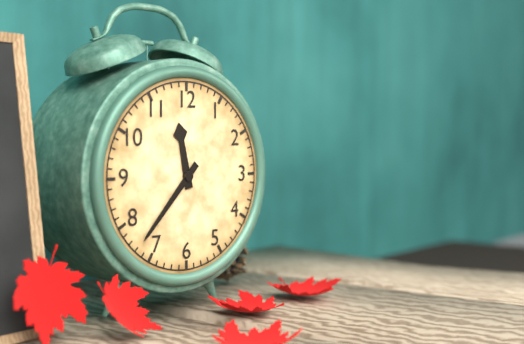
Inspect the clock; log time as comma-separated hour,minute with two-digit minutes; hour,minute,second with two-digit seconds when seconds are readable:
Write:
11,37
